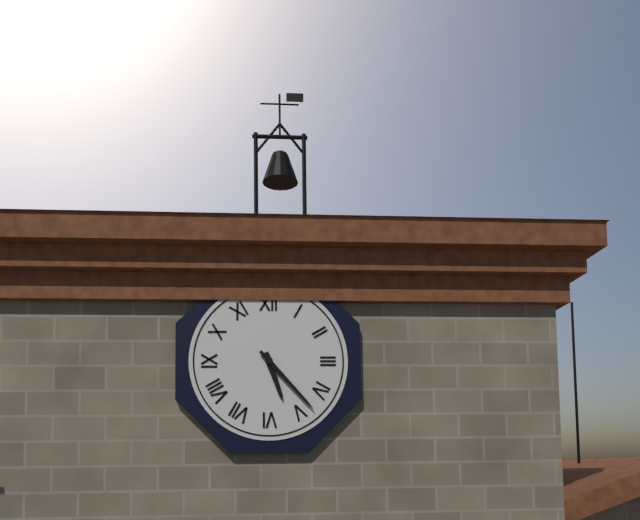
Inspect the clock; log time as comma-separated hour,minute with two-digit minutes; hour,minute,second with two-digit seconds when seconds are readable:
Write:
5,23
